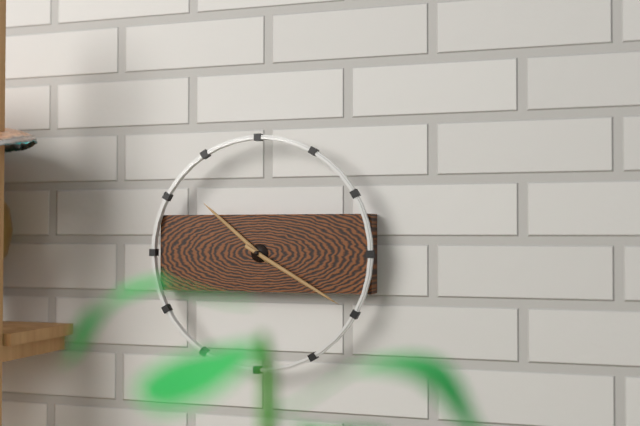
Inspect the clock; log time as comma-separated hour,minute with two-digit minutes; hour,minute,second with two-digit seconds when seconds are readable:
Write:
10,20
